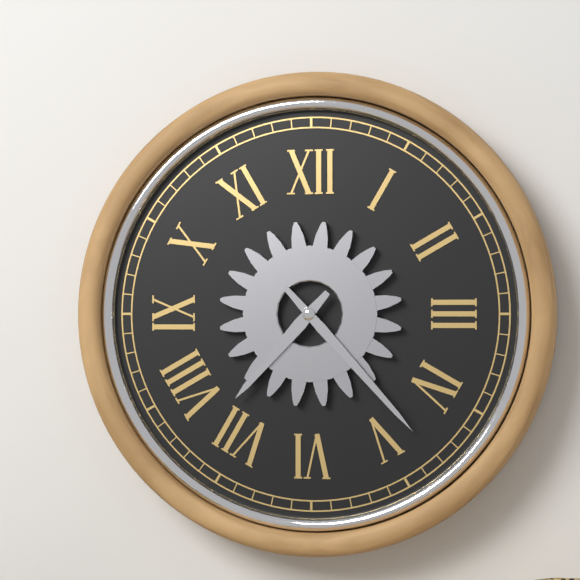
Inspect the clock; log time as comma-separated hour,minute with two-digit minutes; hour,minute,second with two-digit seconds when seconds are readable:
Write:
7,23
